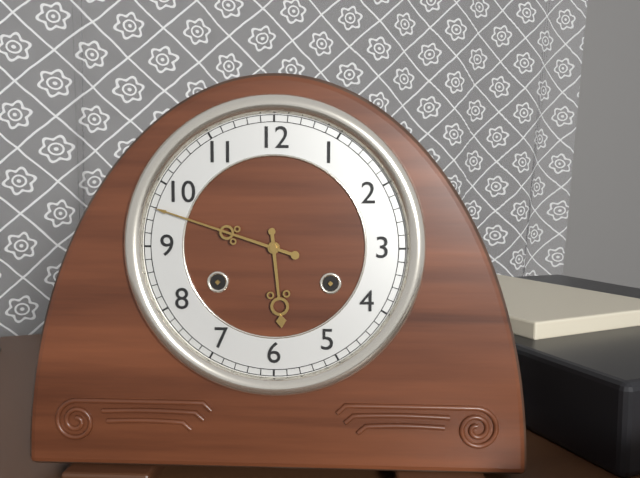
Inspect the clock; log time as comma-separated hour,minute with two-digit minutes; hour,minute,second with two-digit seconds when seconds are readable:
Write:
5,48
